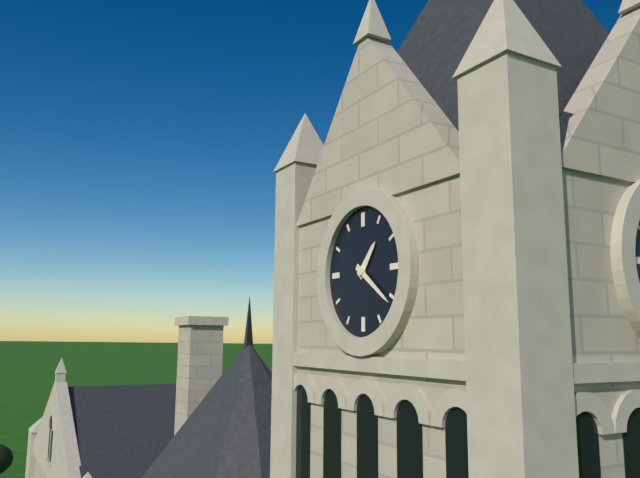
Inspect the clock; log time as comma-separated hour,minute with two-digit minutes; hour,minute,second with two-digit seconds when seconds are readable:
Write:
1,21
